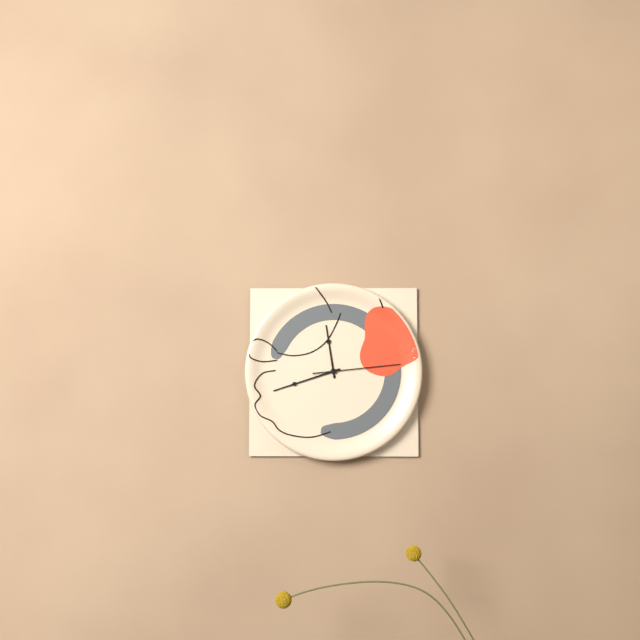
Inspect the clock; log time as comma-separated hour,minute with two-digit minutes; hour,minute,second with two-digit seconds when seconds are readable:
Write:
11,42,14
